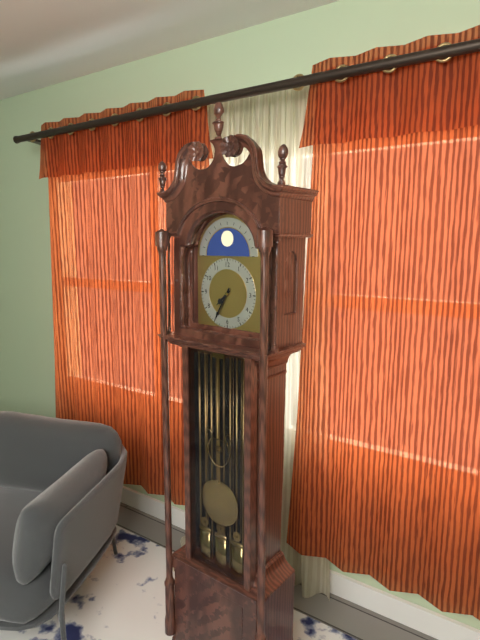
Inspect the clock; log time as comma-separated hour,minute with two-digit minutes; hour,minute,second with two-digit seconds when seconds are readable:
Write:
7,35
